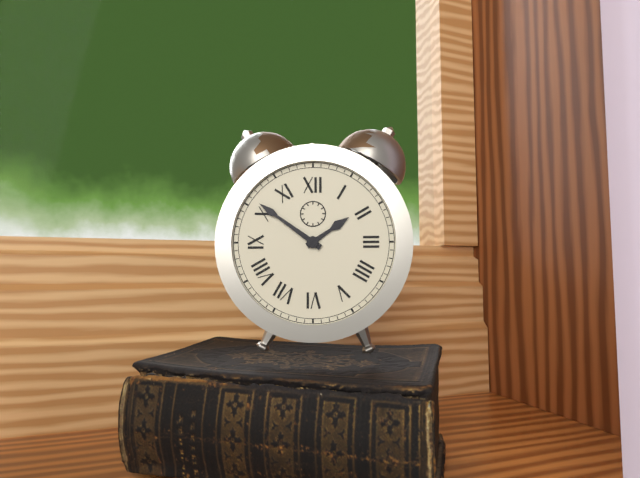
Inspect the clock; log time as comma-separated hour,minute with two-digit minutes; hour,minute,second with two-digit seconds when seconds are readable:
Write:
1,51
